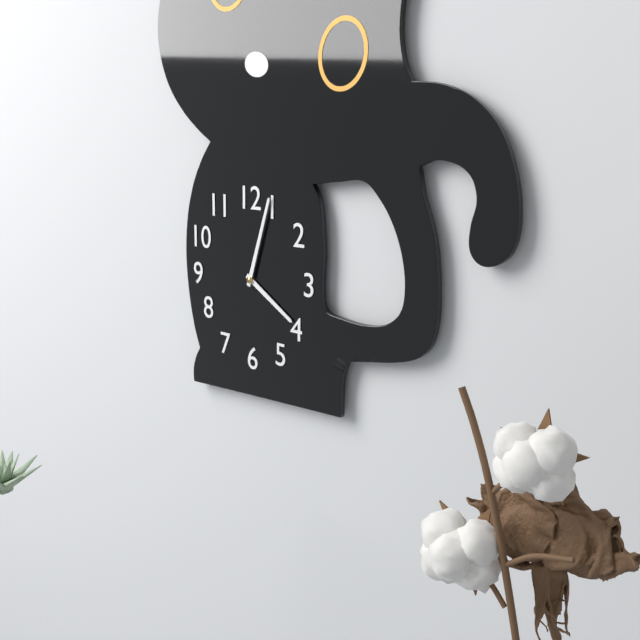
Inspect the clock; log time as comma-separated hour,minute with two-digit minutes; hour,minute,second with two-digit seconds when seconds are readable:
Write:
4,03
